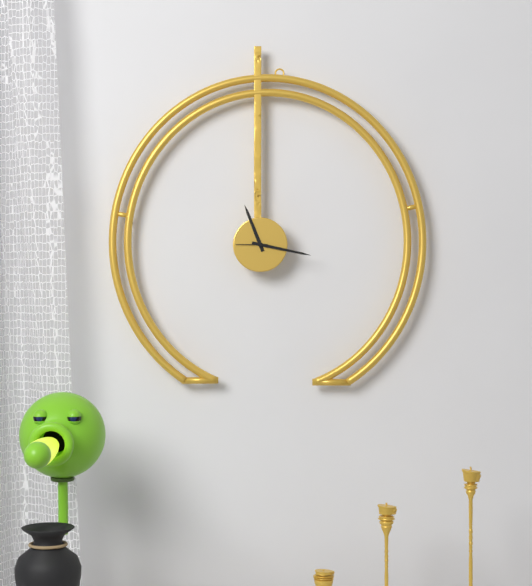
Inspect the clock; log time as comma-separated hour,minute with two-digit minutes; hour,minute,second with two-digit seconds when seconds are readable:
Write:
11,17
